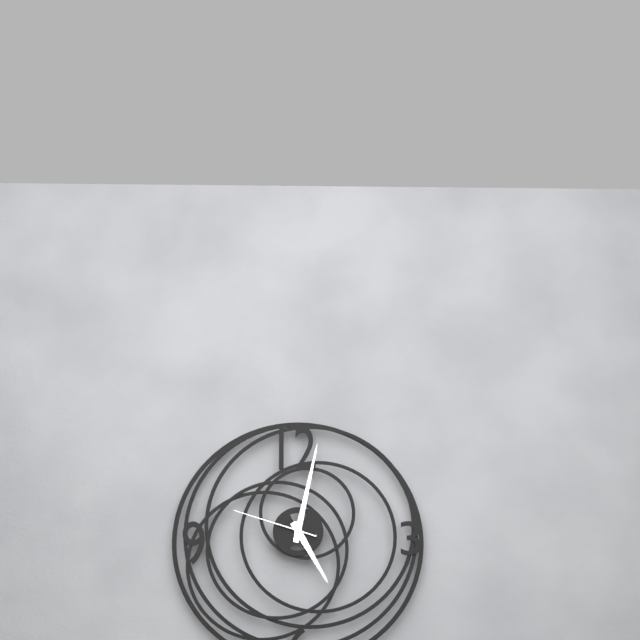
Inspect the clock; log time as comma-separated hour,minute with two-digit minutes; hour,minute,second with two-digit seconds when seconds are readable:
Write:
5,02,48
